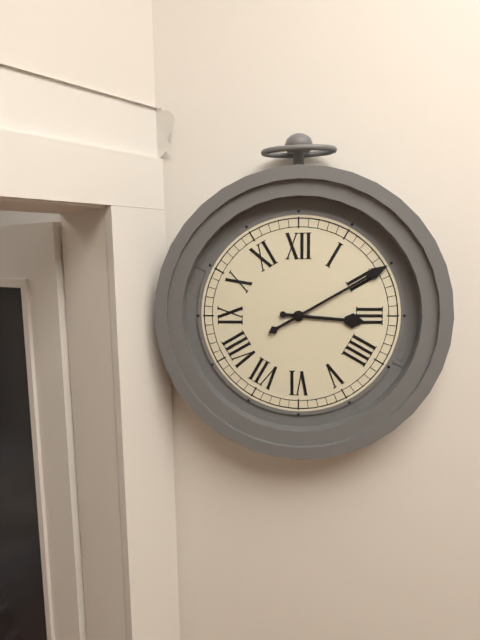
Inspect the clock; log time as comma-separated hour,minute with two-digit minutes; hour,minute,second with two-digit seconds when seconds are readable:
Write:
3,10
